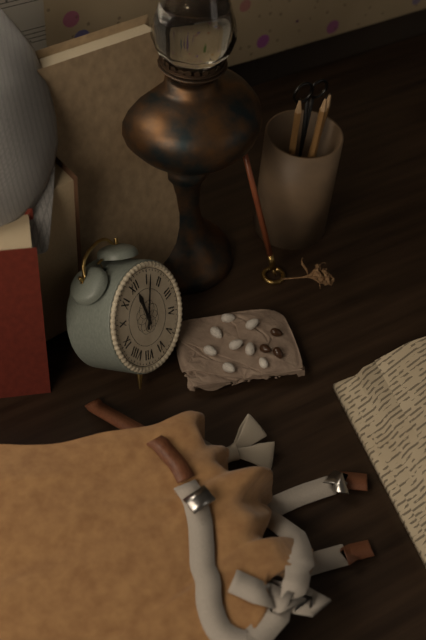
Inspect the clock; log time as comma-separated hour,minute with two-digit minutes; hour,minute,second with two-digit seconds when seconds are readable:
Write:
12,06
